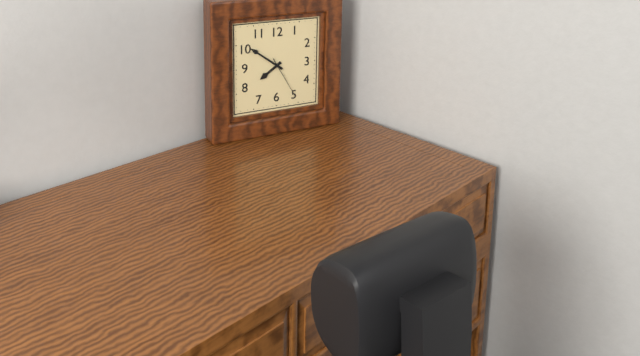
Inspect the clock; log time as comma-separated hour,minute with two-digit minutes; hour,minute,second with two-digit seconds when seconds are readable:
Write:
7,51
